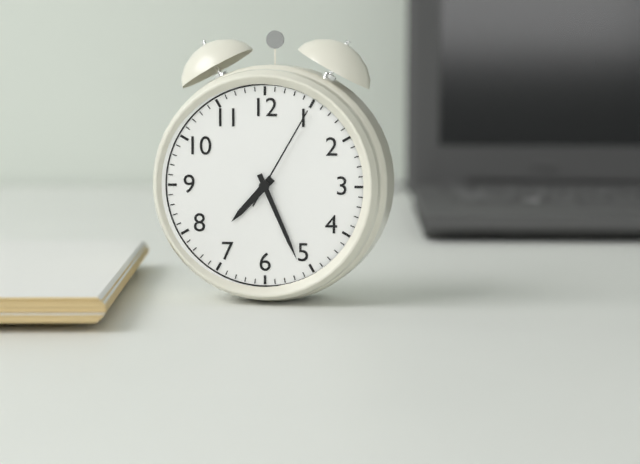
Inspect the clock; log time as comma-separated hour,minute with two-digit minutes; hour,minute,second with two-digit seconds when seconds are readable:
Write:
7,26,05
